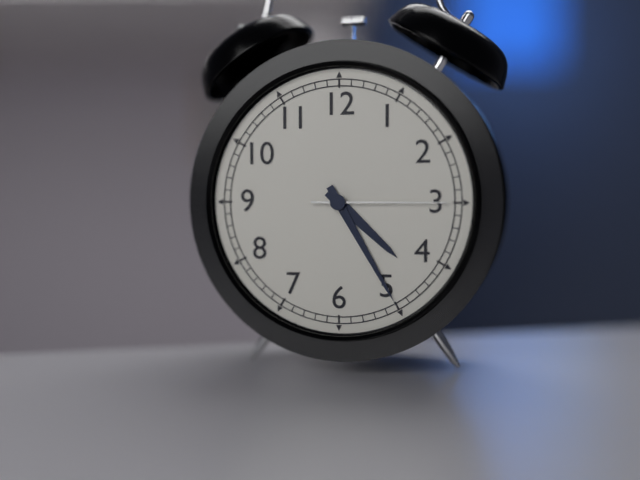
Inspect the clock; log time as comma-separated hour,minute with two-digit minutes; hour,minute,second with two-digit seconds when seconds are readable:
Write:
4,25,15
